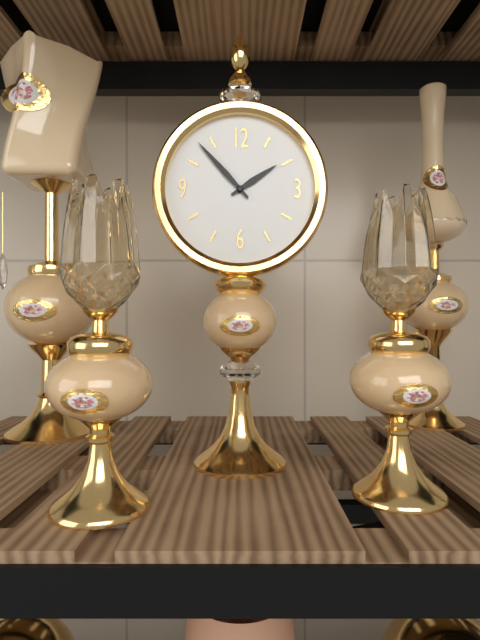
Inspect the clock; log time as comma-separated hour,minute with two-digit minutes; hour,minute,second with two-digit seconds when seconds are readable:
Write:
1,53
